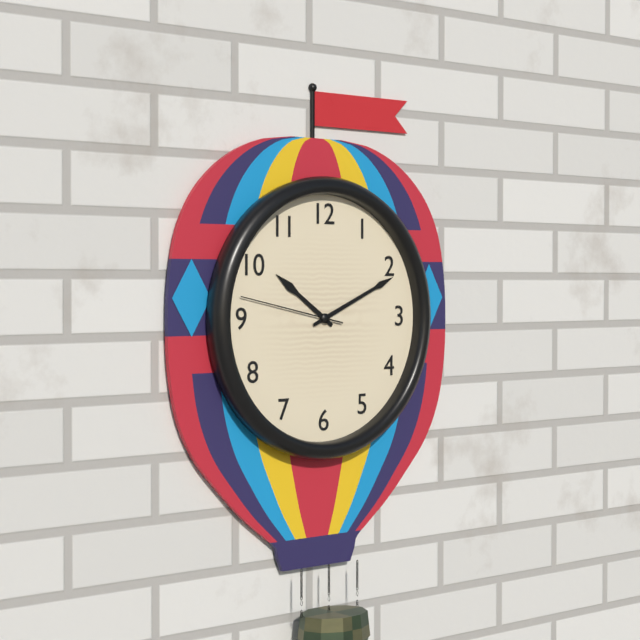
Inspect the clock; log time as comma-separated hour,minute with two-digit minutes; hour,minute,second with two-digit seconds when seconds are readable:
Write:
10,11,47
